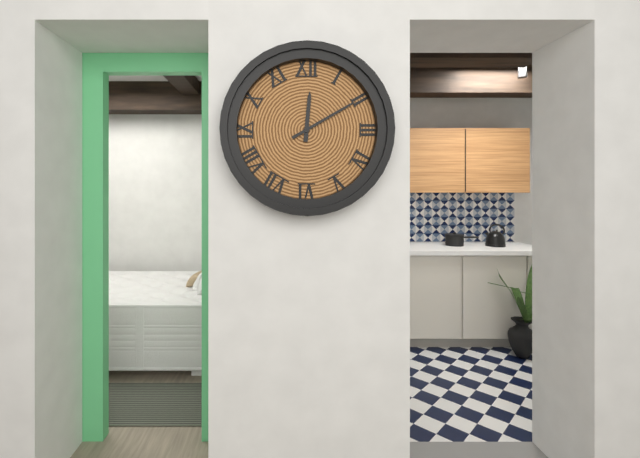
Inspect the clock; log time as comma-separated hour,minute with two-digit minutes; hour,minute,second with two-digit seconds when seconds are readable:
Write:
12,10
